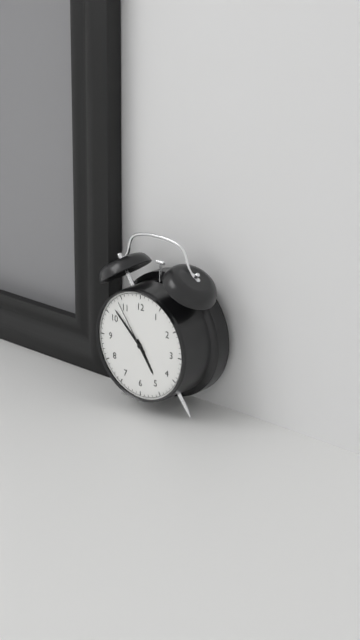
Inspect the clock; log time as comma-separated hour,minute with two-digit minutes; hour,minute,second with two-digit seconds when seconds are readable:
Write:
4,52,54
